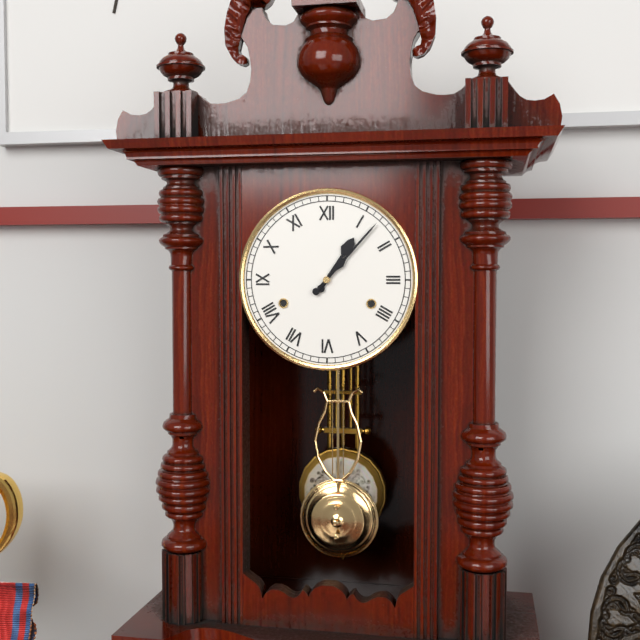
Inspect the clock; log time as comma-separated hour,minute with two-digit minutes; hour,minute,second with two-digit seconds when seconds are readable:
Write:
1,07
